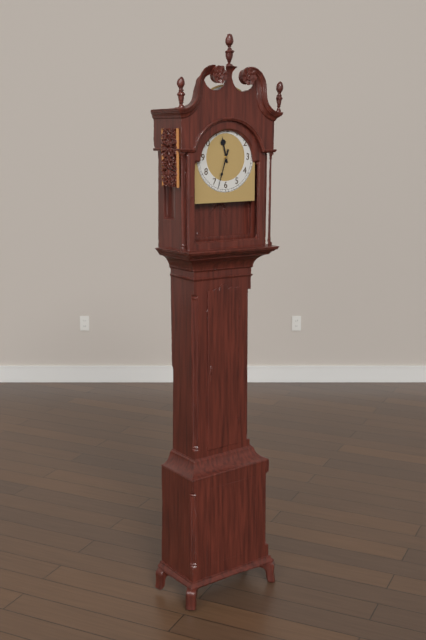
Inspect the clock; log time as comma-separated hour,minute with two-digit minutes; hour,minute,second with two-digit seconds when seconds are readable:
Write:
11,33
